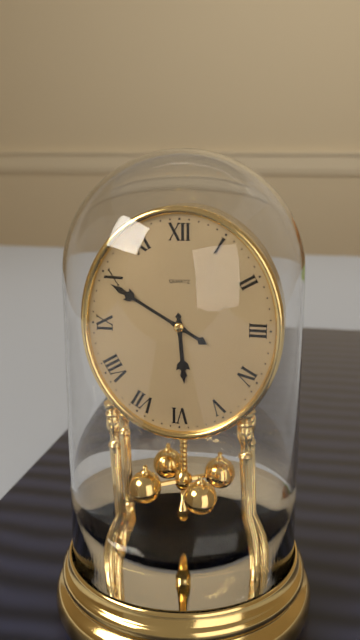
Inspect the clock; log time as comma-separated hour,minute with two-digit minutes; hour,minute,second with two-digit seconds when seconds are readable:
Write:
5,50
